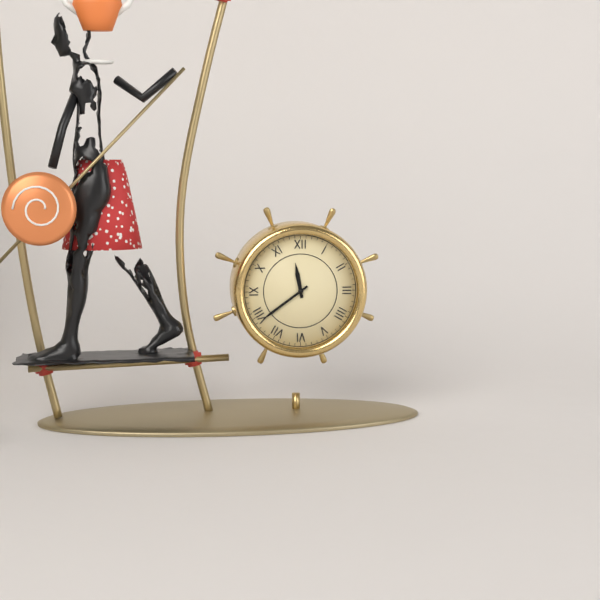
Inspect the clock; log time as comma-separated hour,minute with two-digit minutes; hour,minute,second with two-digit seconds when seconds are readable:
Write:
11,39
